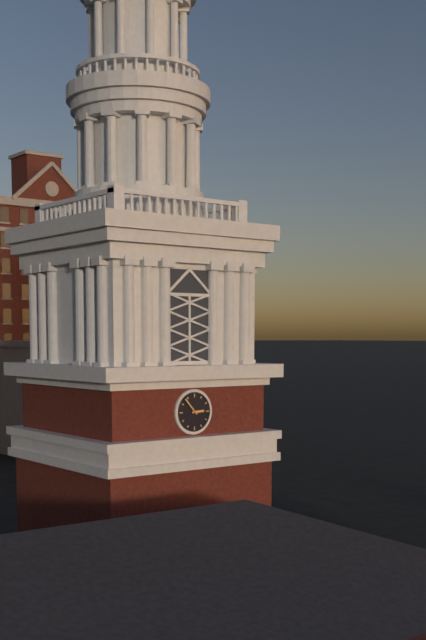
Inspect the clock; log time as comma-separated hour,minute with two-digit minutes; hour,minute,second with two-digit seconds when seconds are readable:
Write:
2,53
